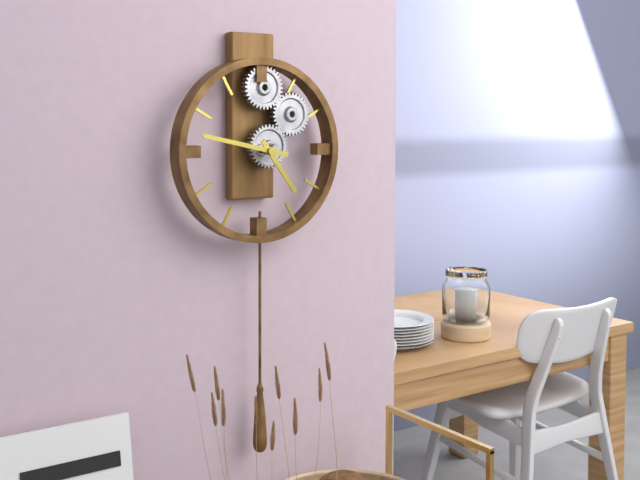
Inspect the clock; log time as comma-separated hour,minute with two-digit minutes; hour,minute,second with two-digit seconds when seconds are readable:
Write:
4,47
